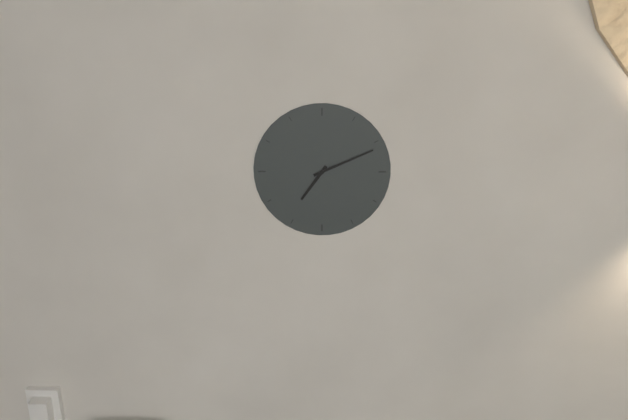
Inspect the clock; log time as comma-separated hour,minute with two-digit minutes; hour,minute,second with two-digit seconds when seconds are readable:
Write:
7,11
